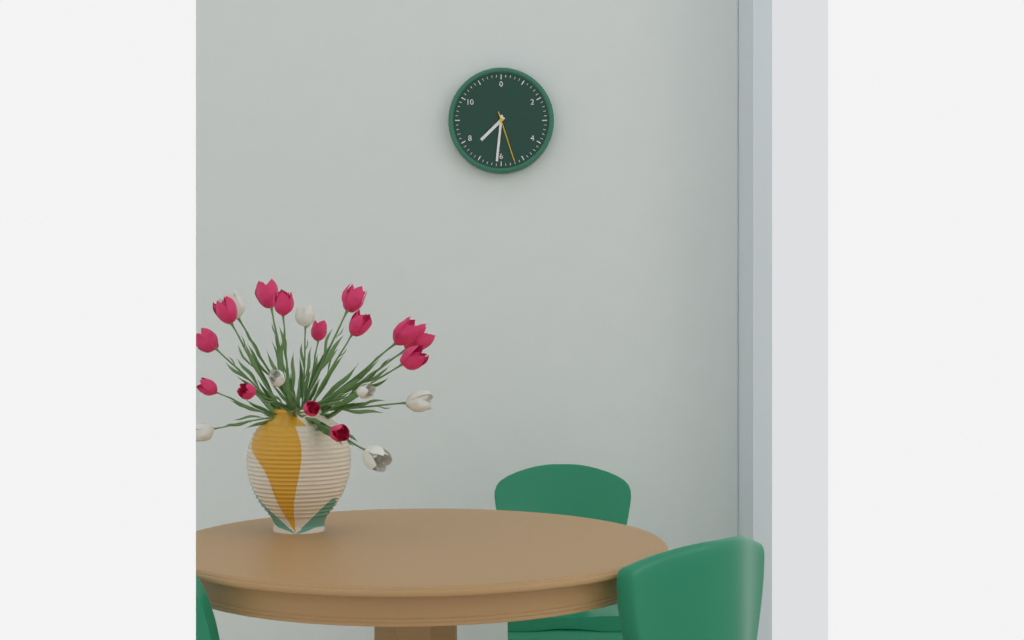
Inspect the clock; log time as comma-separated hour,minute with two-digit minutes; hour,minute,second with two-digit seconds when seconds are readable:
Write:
7,31,27
